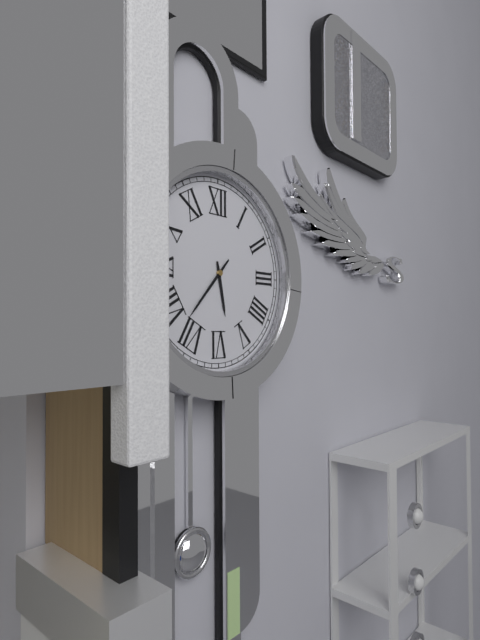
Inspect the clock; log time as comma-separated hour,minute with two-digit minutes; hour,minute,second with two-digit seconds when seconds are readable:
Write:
5,37
